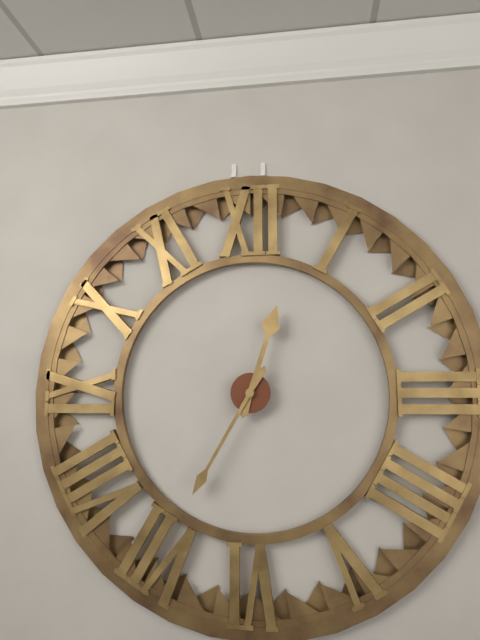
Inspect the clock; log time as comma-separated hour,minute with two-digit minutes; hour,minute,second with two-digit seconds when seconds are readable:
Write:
12,35
